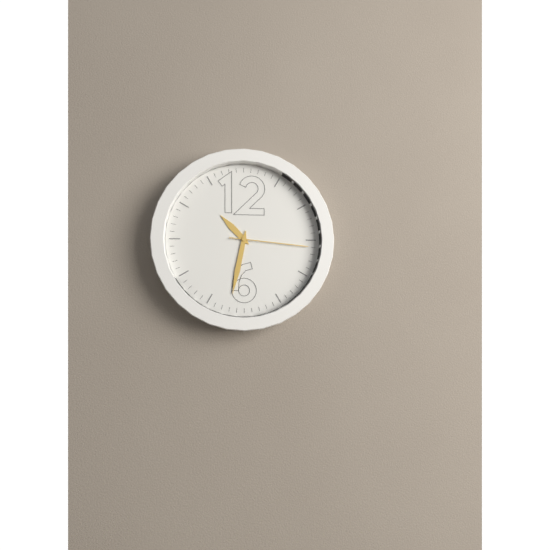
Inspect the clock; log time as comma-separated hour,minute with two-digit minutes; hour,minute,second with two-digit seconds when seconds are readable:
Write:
10,32,16
